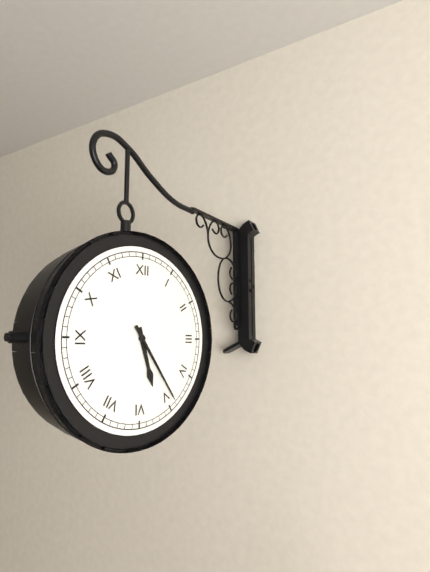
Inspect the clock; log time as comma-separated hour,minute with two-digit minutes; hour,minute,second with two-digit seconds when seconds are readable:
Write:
5,24
